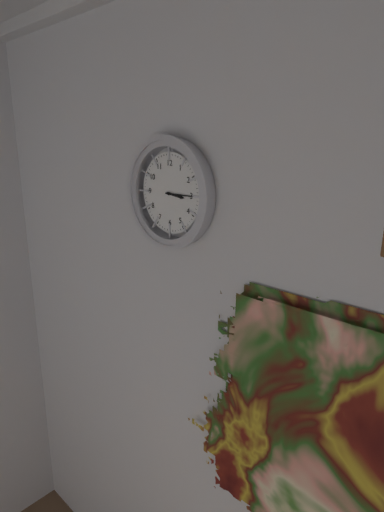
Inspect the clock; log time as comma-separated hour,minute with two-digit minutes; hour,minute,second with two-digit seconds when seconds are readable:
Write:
3,15
